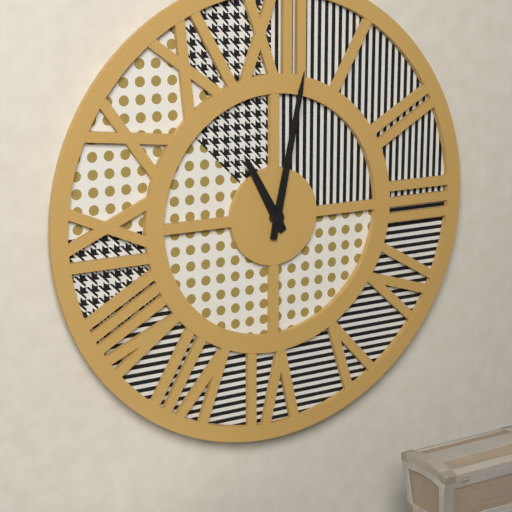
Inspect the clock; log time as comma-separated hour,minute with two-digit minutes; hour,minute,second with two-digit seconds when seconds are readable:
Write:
11,02
